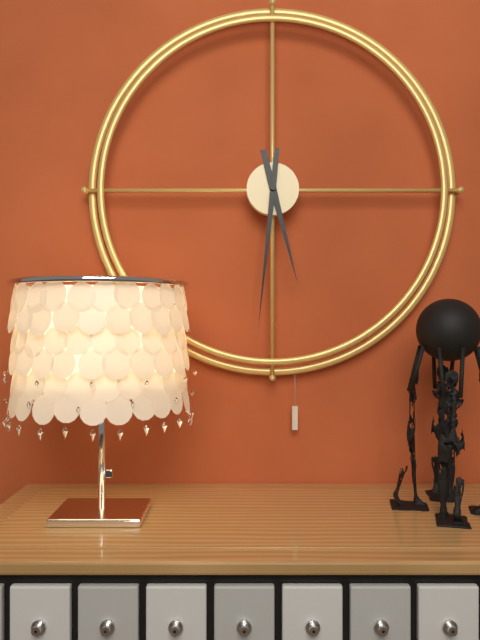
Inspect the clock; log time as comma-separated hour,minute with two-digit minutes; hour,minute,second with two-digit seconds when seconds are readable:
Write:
5,31
